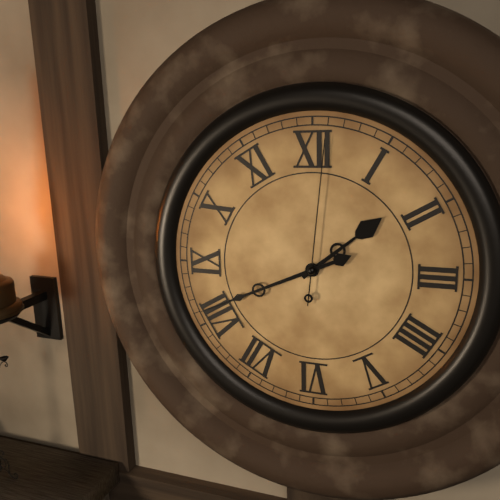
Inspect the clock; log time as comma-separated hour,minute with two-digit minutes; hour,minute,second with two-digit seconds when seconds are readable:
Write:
1,41,01
